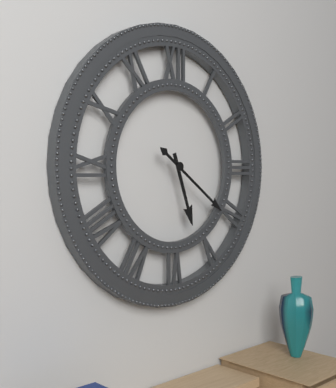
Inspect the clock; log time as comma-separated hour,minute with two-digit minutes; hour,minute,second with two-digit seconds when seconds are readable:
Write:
5,21
